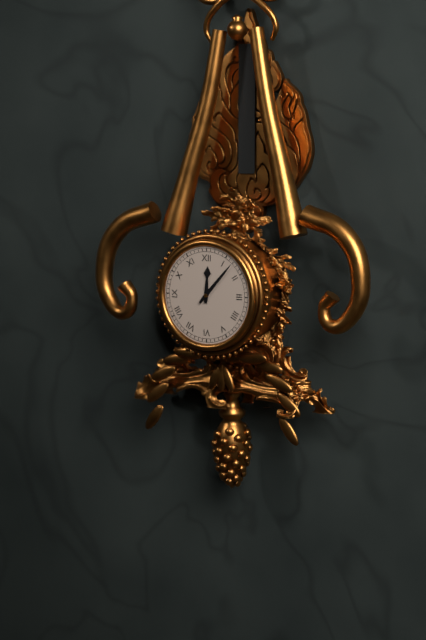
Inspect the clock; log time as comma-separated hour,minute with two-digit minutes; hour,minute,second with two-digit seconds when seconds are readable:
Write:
12,07
